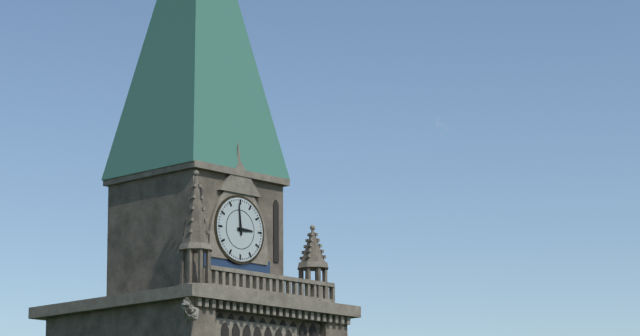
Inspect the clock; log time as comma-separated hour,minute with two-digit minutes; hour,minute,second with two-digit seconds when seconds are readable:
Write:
2,59
